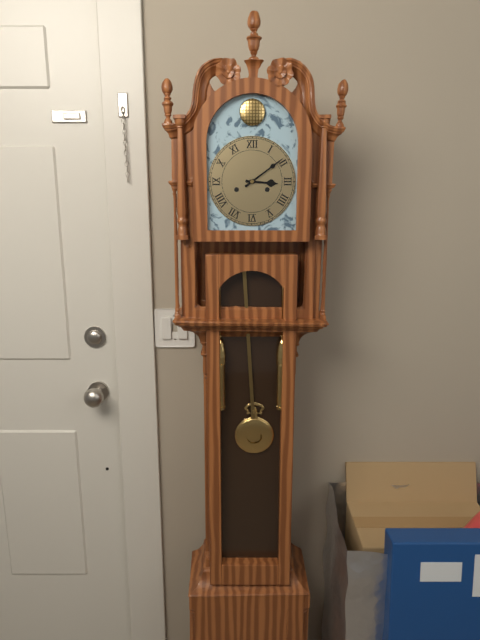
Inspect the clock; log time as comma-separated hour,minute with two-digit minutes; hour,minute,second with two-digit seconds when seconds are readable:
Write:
3,09
